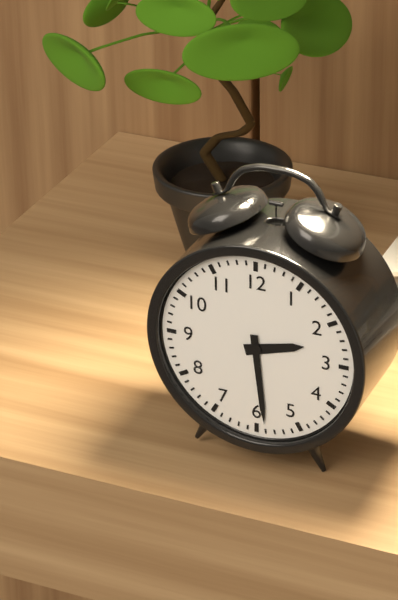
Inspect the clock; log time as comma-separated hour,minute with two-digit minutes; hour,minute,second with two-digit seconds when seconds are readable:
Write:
2,29
